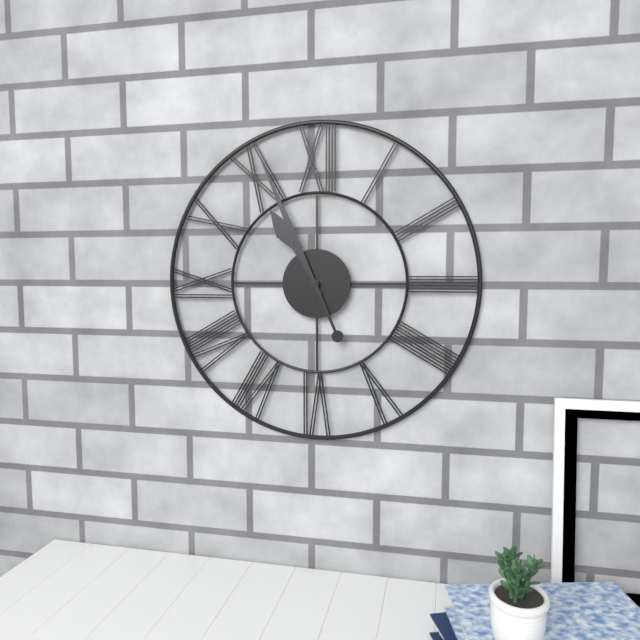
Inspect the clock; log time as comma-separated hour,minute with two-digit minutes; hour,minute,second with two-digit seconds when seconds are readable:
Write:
10,56
